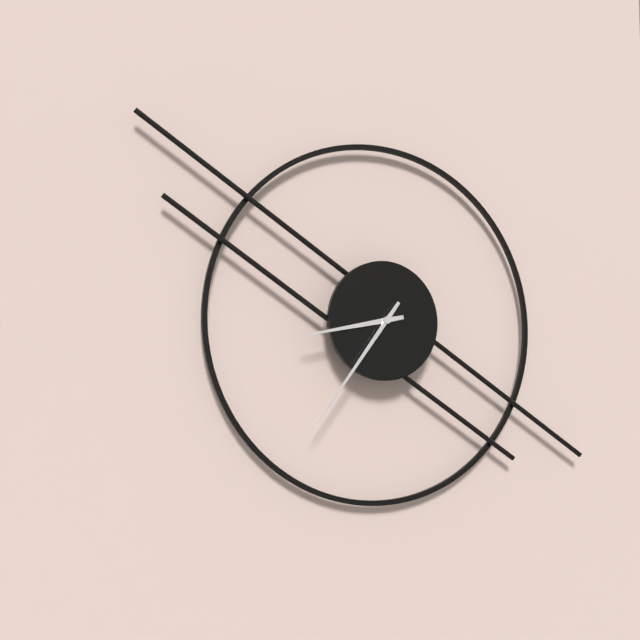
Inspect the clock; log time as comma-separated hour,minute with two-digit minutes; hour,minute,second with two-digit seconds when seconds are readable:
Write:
8,36
